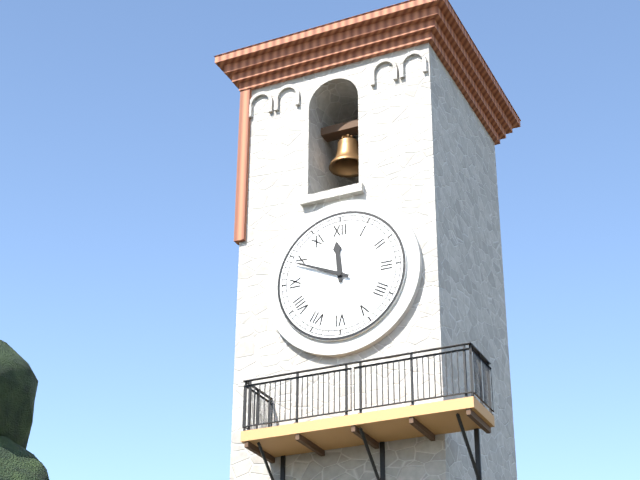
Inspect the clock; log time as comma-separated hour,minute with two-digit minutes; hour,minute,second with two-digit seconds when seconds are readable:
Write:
11,49
